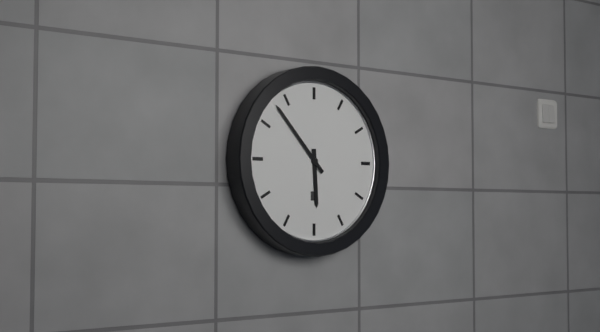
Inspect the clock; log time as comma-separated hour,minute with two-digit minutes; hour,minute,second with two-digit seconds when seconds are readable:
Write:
5,53
